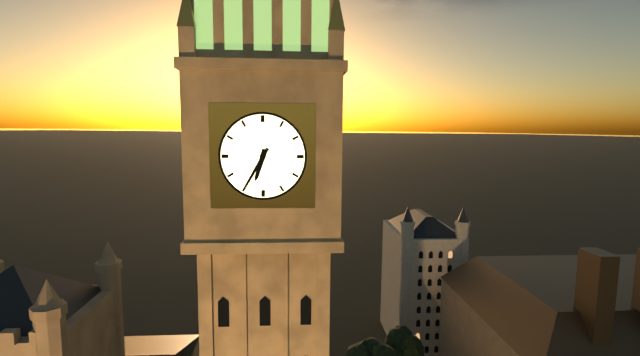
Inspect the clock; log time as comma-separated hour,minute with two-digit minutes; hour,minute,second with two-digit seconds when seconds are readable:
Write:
6,35
